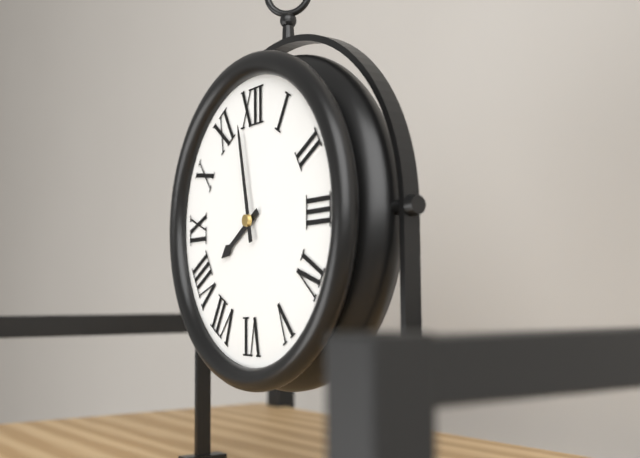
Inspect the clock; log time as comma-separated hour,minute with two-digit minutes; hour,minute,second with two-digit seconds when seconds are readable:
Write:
7,58
